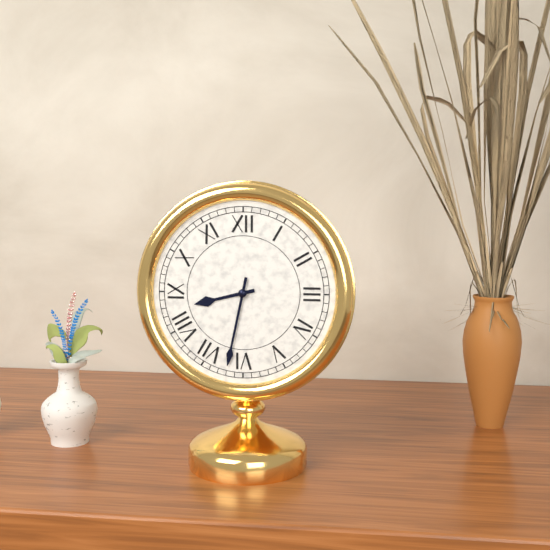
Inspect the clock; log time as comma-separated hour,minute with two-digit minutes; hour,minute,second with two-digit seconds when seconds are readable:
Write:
8,32
